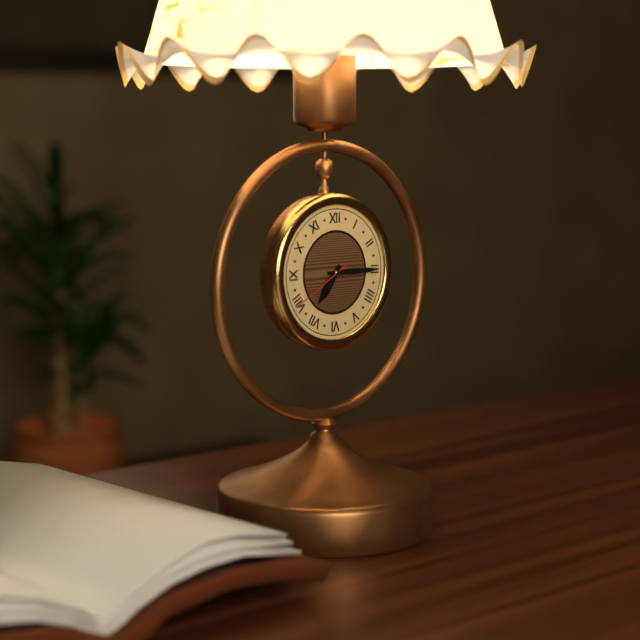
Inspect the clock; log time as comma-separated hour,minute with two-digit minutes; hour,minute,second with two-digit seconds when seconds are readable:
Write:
7,15,40
